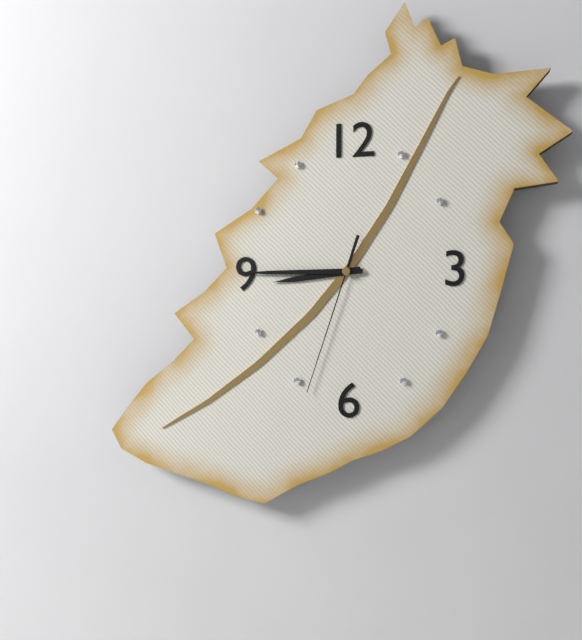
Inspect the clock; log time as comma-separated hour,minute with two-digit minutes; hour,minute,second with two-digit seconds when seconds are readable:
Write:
8,45,33
